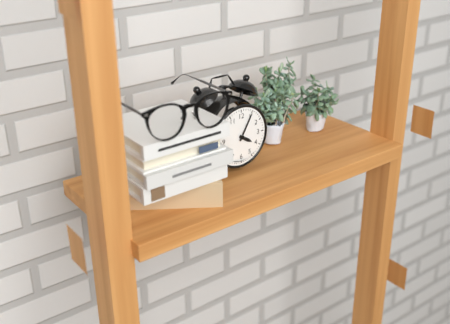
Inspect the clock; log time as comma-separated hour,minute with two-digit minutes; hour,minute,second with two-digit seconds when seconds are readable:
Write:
4,05
